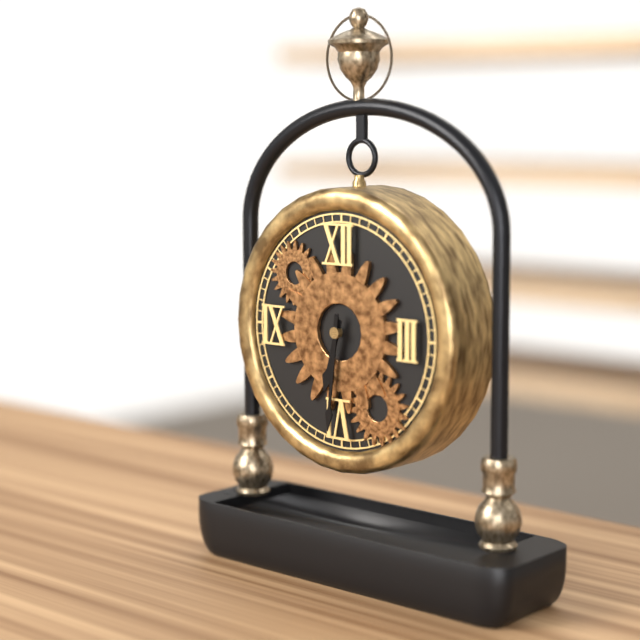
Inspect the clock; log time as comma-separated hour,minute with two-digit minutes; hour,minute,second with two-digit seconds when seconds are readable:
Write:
6,31
